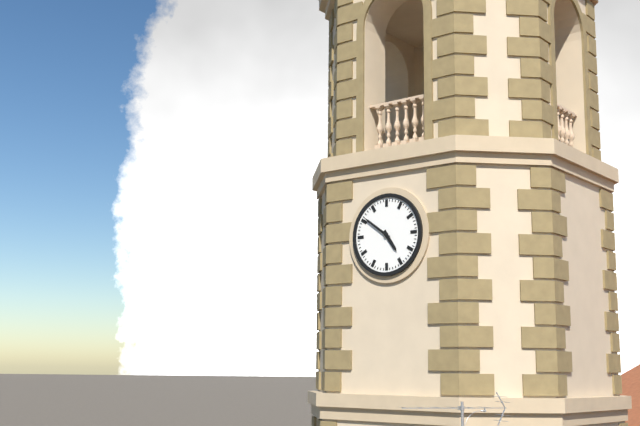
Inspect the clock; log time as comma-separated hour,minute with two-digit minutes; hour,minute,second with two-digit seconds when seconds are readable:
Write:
4,51
